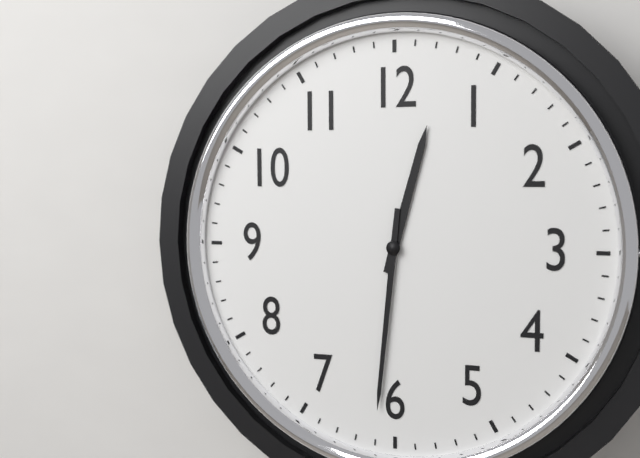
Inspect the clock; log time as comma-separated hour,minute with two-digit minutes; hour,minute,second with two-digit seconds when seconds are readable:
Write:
12,31
